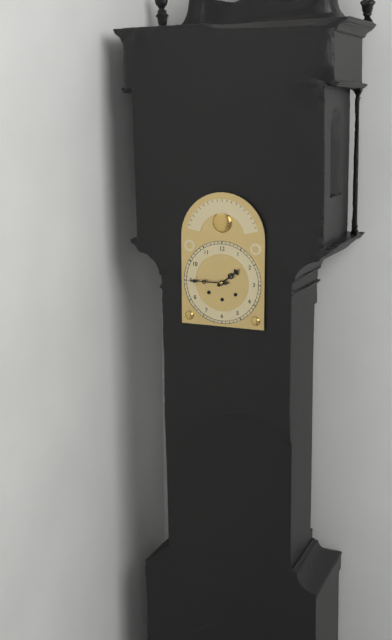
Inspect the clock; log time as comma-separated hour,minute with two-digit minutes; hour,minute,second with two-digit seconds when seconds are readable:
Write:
1,45
